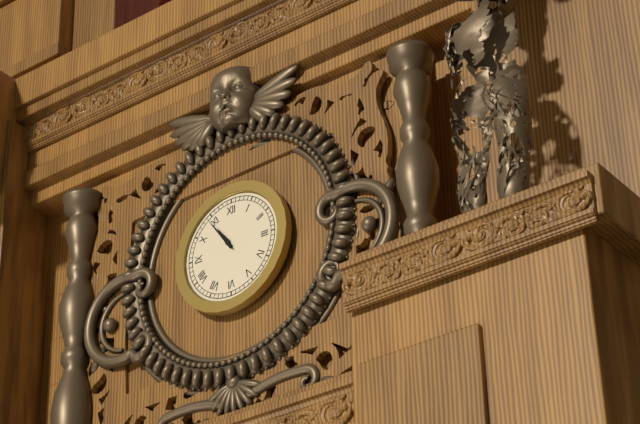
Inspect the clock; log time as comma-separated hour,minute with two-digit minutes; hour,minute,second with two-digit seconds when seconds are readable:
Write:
10,54
